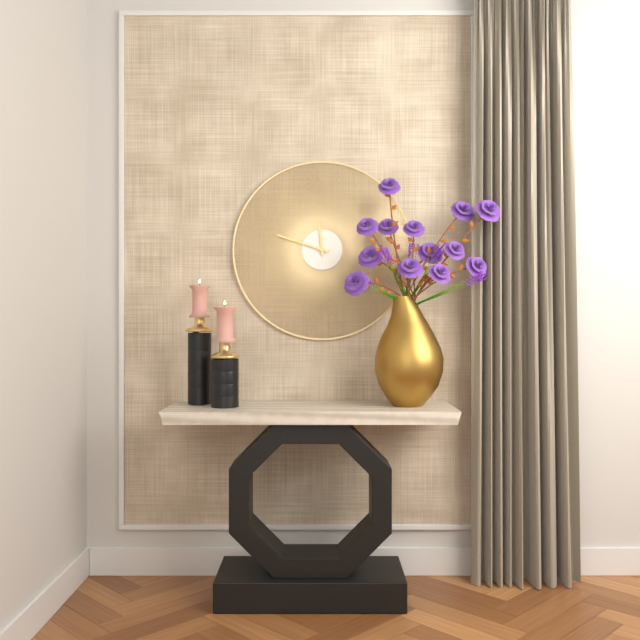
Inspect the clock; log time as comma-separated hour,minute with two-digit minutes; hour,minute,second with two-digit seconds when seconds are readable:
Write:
11,48
